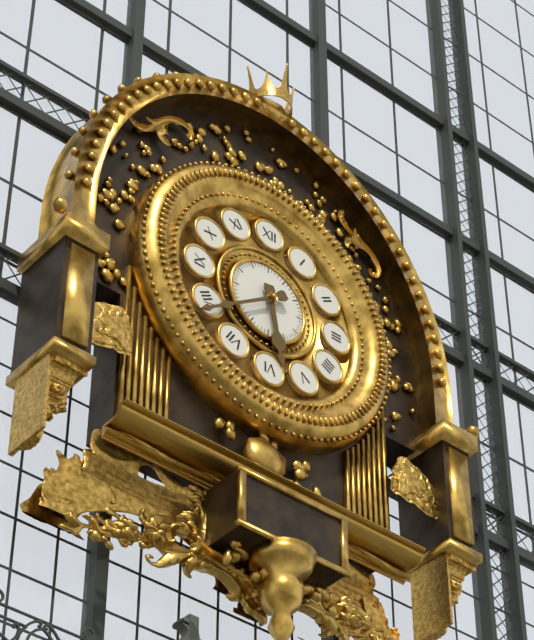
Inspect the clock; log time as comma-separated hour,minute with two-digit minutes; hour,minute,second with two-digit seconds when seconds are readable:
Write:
5,39
